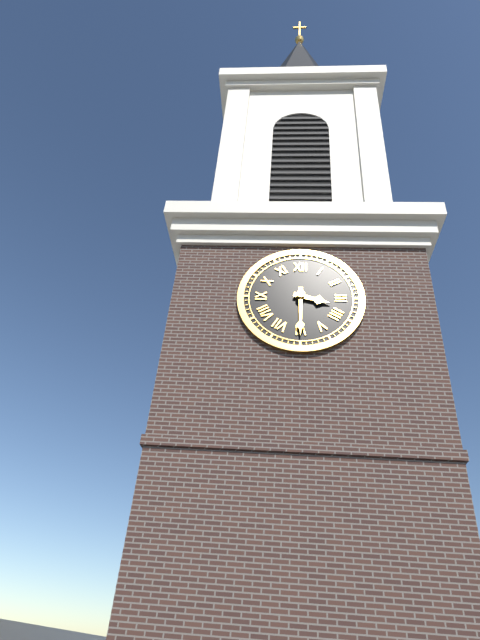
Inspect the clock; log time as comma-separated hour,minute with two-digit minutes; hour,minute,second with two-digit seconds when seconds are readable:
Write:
3,30
